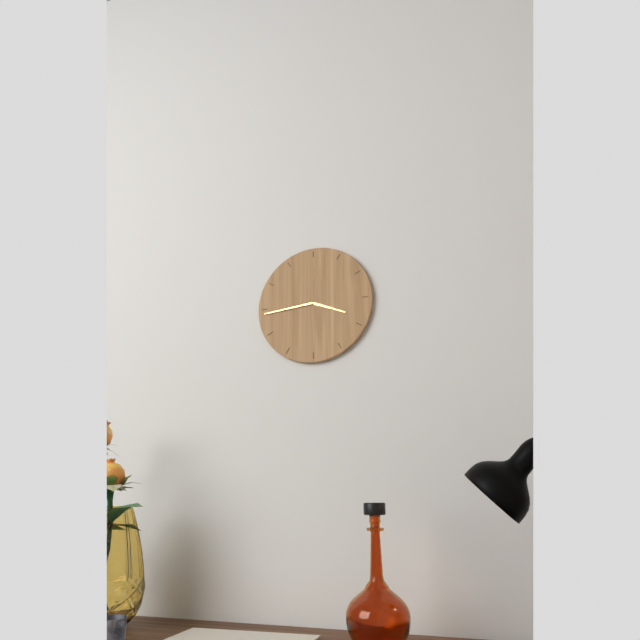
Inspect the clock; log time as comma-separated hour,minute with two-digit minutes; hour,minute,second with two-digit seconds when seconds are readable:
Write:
3,44
